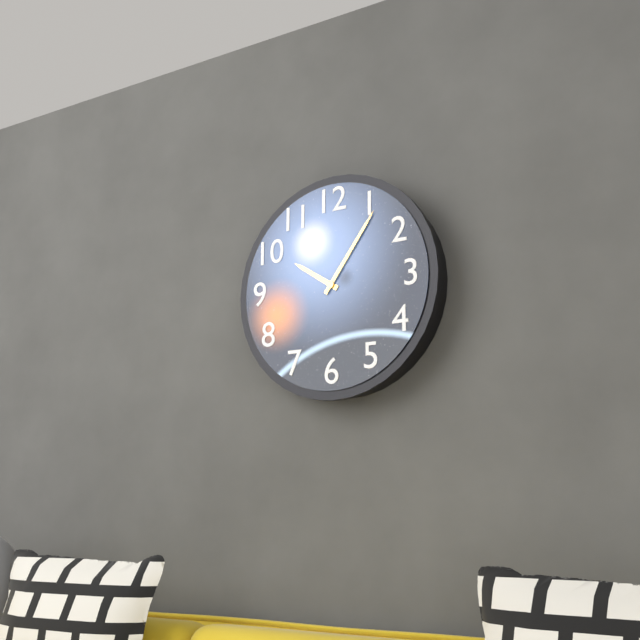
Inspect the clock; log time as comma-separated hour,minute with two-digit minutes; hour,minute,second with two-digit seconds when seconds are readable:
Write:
10,06
